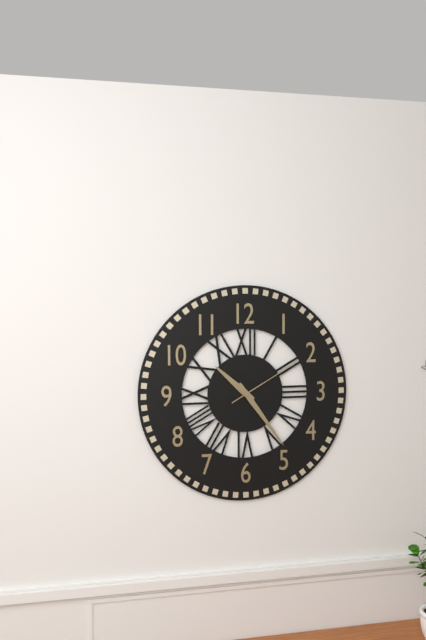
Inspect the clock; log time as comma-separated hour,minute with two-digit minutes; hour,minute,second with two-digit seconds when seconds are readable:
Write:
10,24,10
